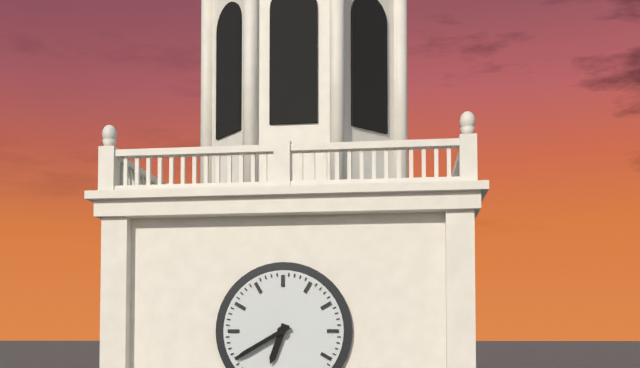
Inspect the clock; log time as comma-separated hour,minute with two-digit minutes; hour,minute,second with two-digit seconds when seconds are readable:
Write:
6,40
